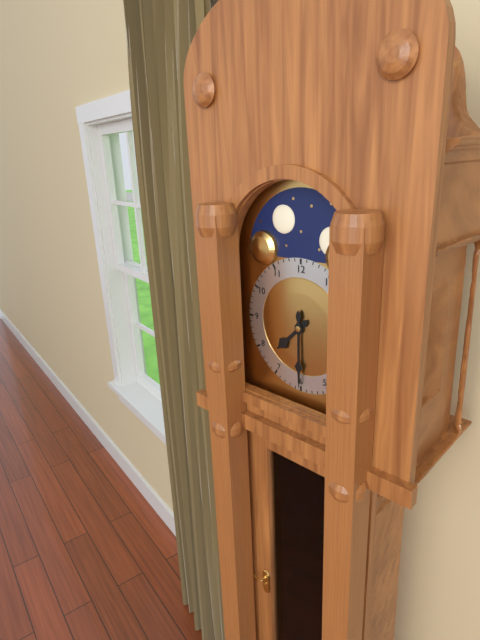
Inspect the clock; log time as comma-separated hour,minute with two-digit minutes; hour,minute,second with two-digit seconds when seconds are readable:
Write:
7,30
